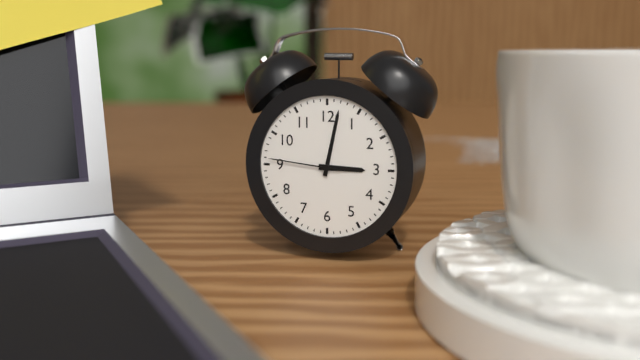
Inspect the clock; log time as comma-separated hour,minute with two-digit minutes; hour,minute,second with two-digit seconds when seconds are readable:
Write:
3,02,46
